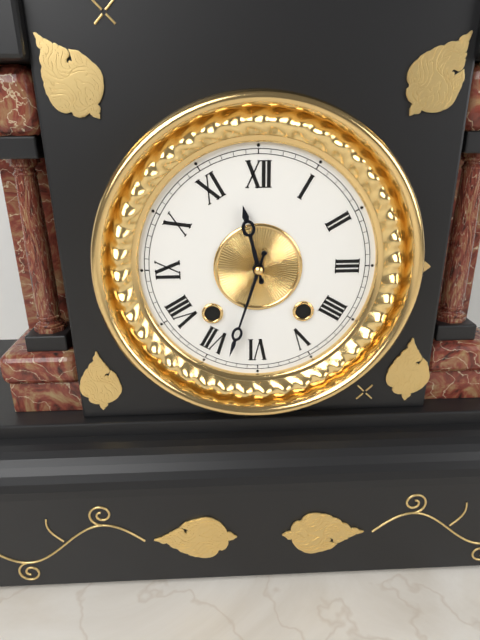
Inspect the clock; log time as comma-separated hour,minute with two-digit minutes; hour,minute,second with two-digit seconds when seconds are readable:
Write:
11,33
